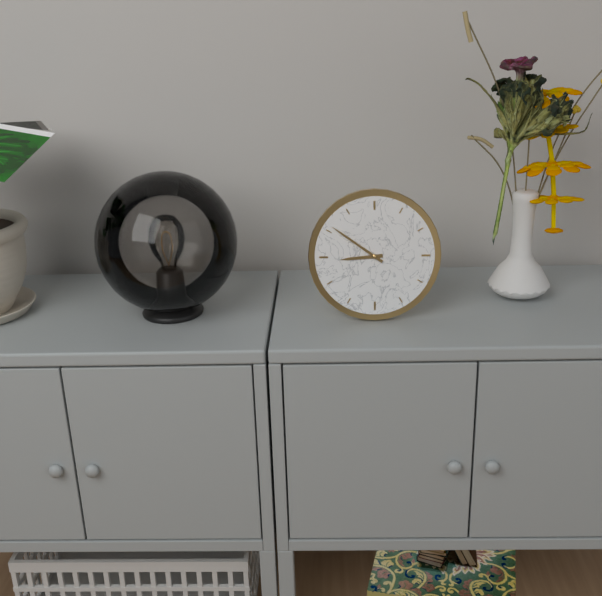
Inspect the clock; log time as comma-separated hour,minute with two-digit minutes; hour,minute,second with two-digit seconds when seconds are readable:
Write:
8,51
